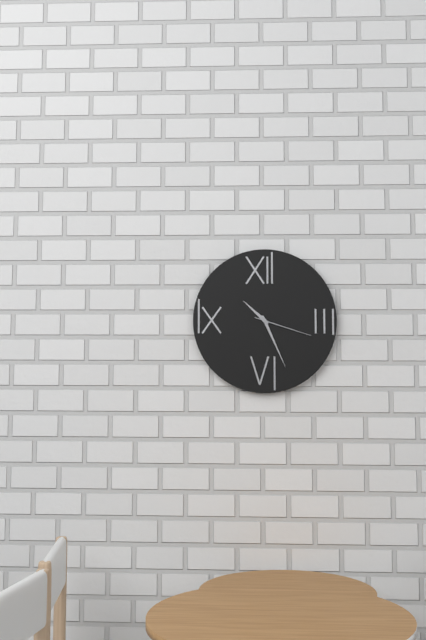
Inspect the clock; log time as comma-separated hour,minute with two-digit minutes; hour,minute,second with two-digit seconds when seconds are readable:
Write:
10,26,18
